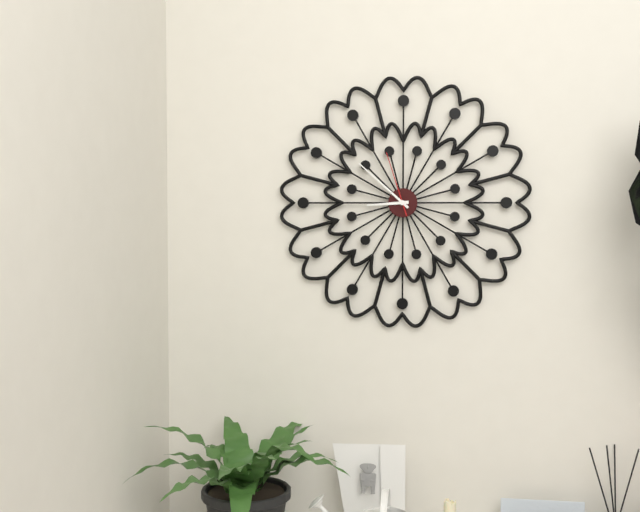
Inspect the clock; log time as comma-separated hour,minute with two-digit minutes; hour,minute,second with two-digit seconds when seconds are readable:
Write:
8,52,57
